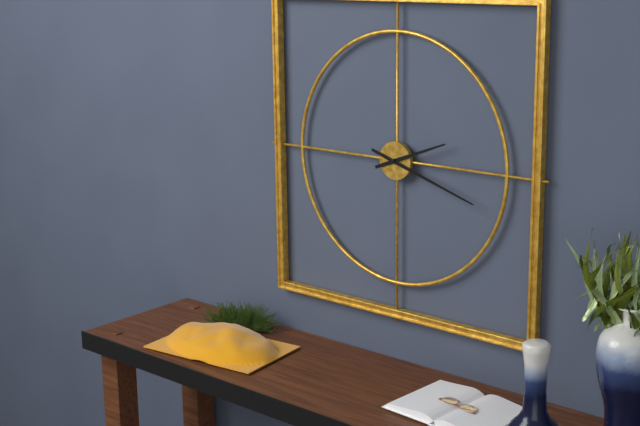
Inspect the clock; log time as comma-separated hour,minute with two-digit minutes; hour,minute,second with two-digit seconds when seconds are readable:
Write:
2,18
